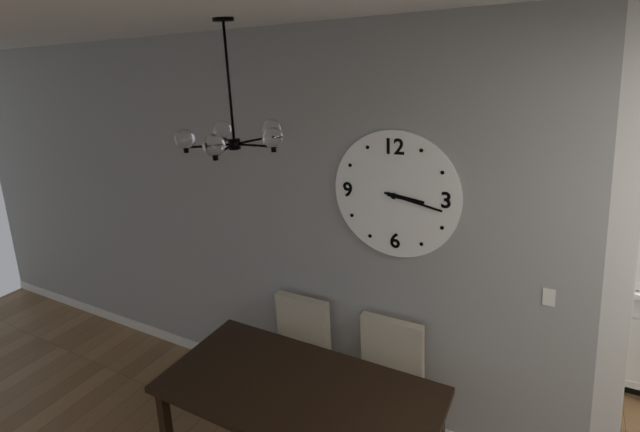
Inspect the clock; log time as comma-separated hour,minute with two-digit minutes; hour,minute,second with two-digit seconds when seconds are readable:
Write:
3,17
